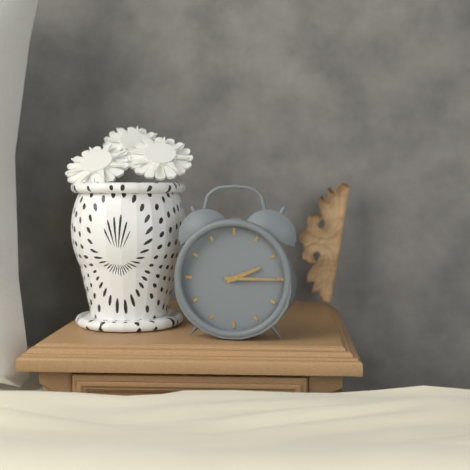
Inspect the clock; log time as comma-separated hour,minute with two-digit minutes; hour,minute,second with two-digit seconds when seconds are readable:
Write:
2,15
